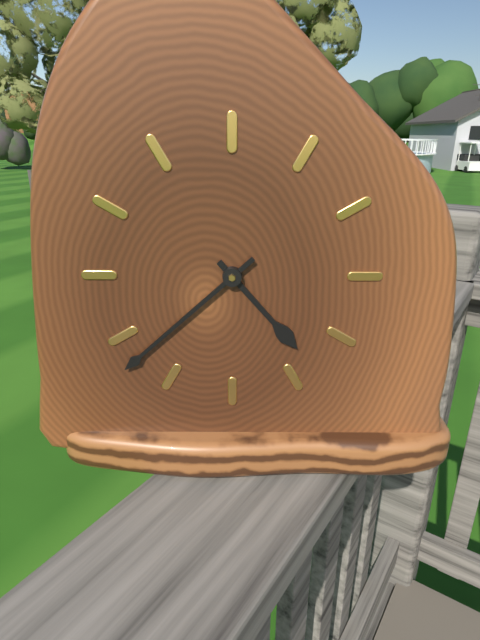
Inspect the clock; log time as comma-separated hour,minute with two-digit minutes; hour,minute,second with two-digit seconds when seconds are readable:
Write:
4,38
